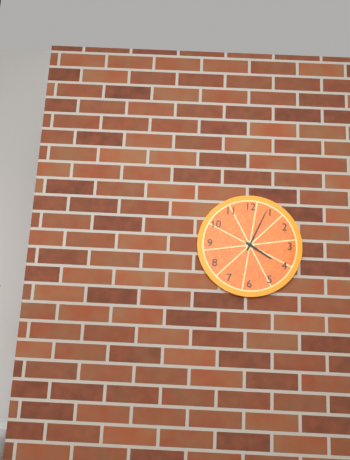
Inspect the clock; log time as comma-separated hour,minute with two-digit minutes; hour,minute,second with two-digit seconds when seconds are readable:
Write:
4,04
